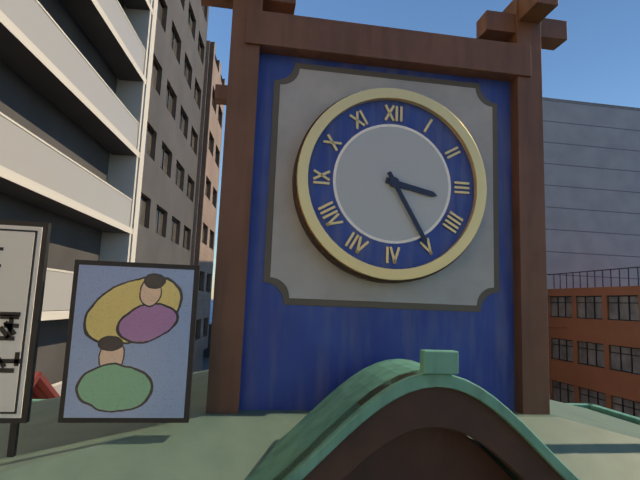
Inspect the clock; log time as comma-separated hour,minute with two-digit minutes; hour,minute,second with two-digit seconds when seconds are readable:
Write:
3,25
